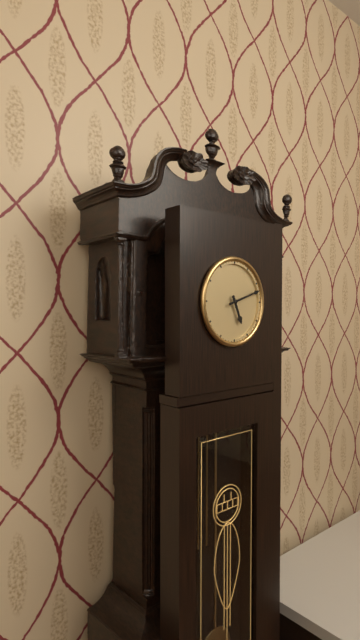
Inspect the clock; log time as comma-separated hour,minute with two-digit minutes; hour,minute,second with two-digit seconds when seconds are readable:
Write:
5,12
